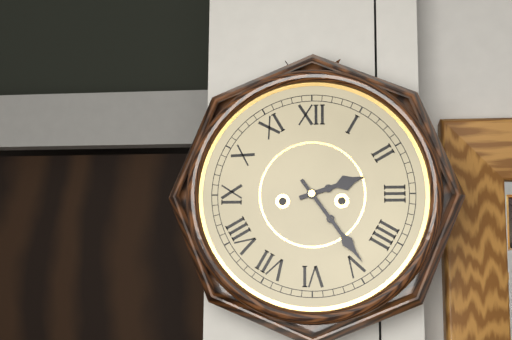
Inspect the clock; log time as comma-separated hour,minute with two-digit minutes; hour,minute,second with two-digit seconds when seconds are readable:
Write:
2,24
